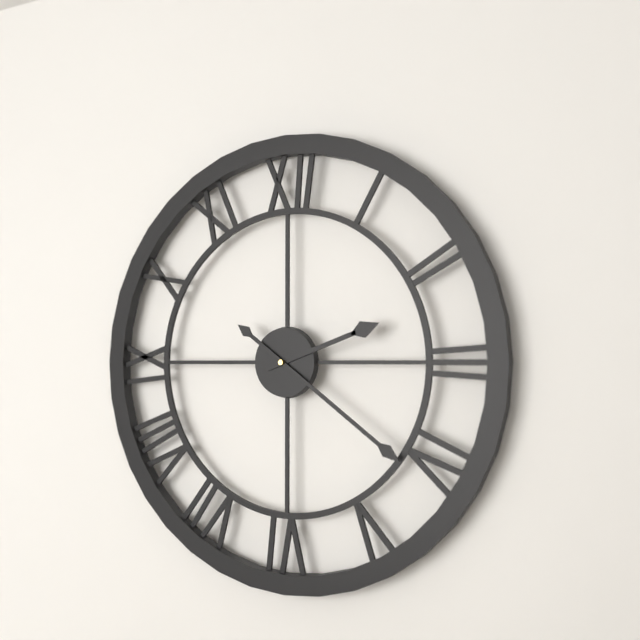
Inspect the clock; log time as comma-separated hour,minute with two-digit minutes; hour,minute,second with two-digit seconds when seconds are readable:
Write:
2,21
